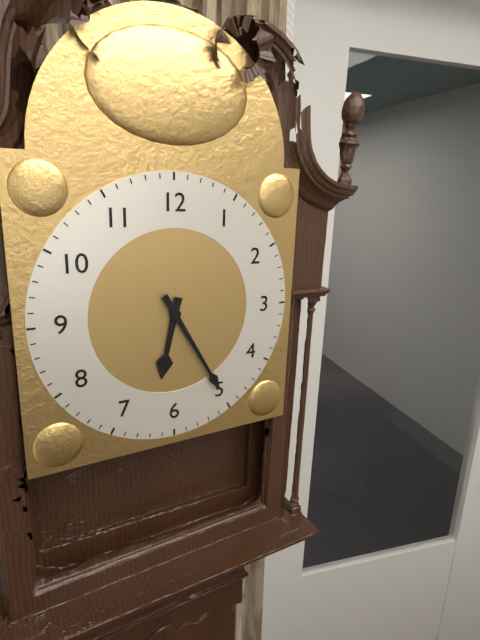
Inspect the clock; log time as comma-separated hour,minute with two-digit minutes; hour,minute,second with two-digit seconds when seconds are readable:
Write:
6,25
